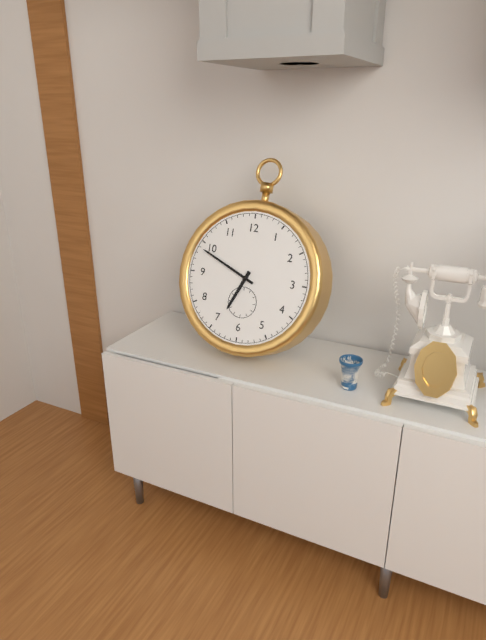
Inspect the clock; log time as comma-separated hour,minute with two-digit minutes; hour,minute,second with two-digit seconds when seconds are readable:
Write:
6,49
